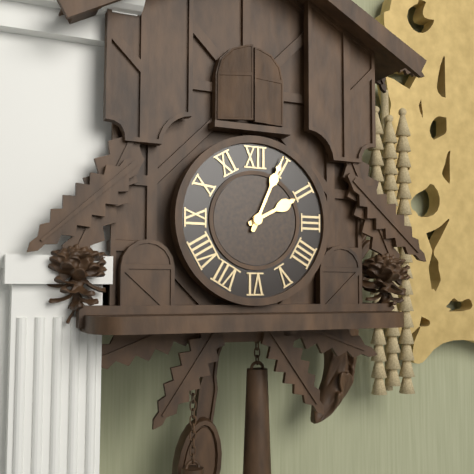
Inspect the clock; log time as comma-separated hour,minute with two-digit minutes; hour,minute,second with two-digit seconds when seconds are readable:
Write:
2,04
